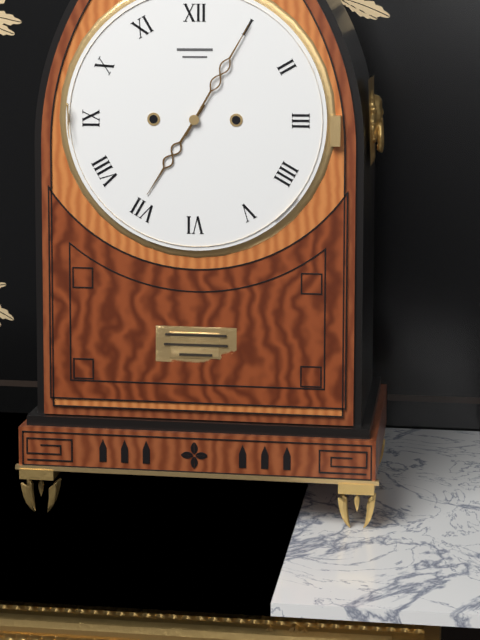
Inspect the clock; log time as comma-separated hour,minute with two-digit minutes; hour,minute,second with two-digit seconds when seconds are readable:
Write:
7,05
